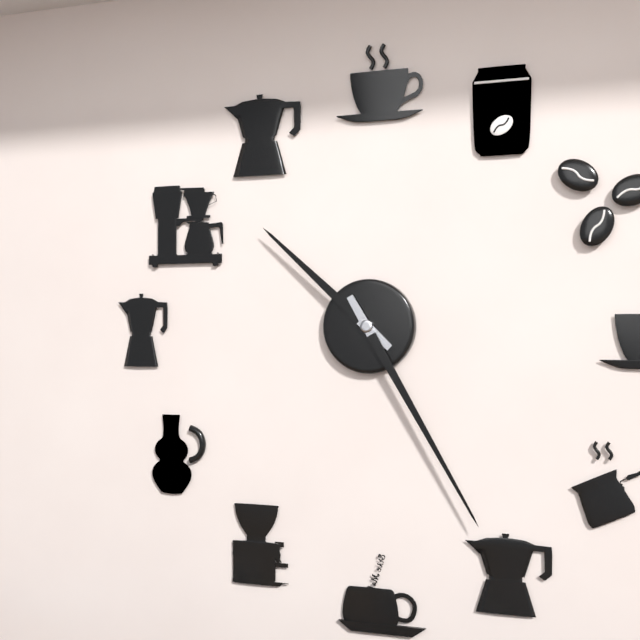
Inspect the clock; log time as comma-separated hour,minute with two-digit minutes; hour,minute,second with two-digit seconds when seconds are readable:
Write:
10,25
